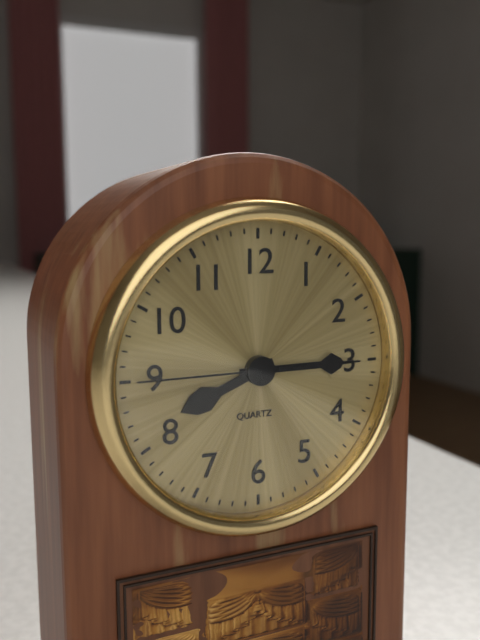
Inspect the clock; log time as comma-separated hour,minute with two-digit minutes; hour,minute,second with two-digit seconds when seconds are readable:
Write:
8,15,45
